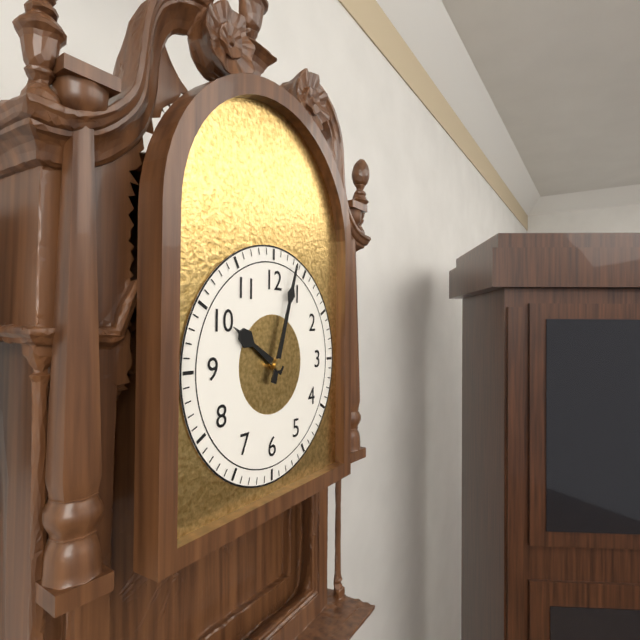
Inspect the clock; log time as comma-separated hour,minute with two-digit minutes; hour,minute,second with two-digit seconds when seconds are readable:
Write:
10,03
